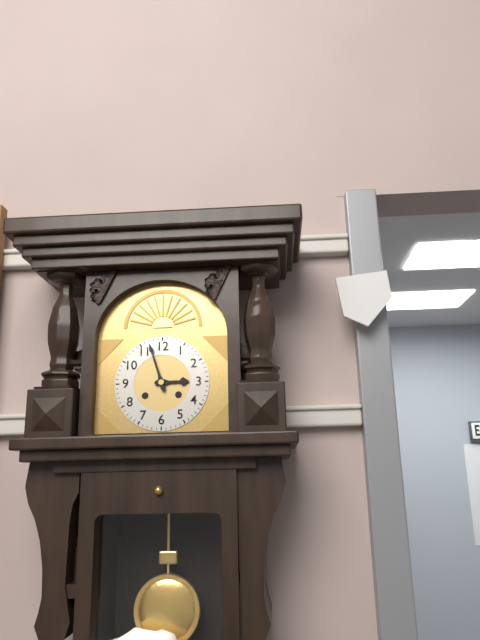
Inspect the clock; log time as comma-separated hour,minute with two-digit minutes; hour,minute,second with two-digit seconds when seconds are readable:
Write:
2,57
